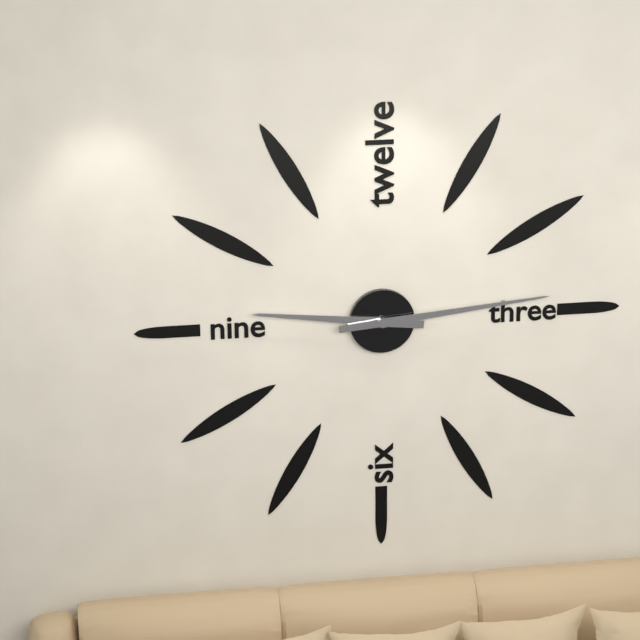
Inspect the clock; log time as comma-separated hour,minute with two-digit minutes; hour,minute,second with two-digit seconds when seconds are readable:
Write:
9,14
